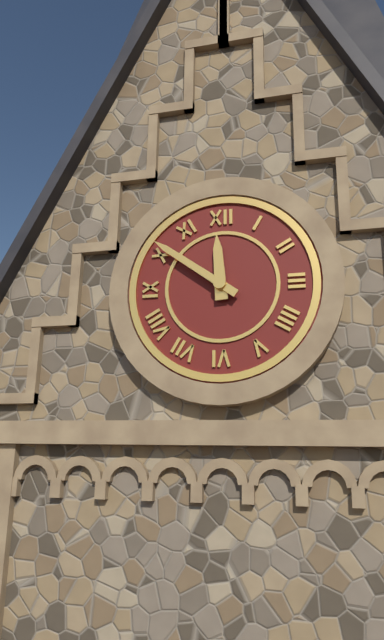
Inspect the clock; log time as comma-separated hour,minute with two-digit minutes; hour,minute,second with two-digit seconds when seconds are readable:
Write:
11,51
